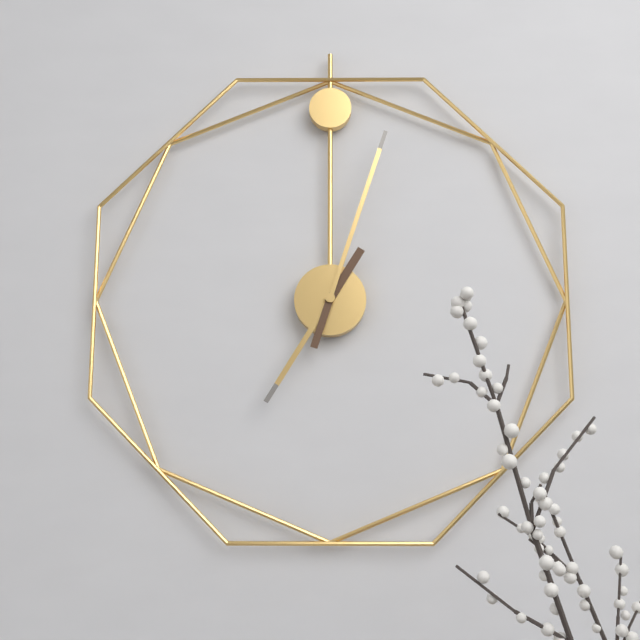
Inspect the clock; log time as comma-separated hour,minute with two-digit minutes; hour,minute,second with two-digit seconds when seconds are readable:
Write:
7,03
